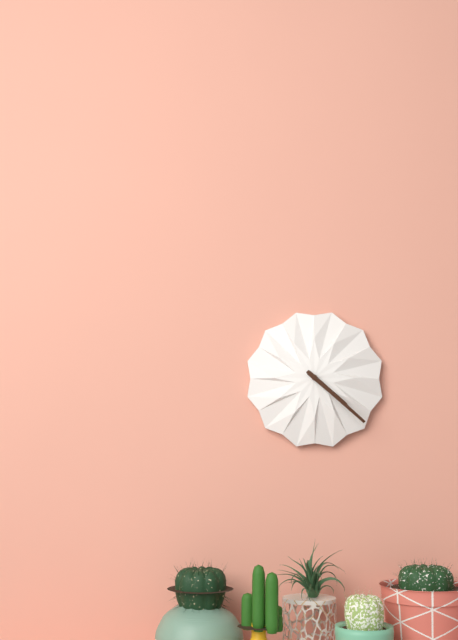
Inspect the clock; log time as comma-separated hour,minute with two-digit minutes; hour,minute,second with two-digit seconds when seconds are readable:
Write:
4,22
